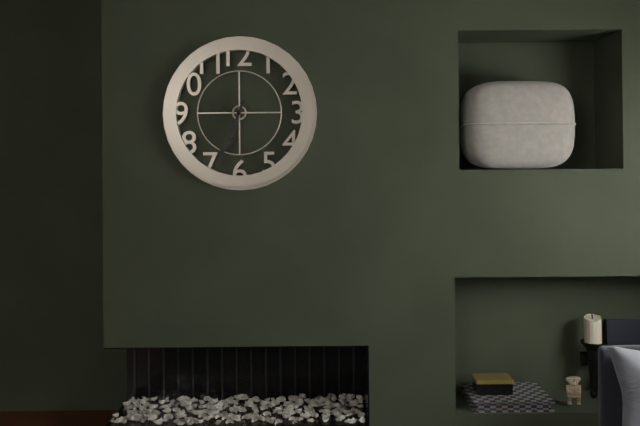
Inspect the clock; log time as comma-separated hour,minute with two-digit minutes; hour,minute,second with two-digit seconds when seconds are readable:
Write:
6,34
